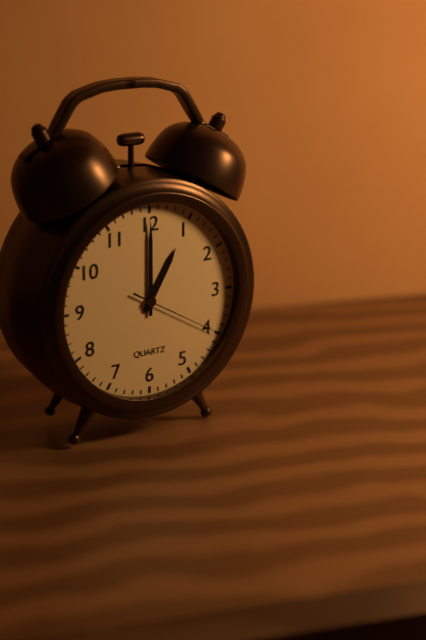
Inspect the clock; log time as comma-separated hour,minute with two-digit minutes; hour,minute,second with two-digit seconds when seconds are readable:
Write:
1,00,20
